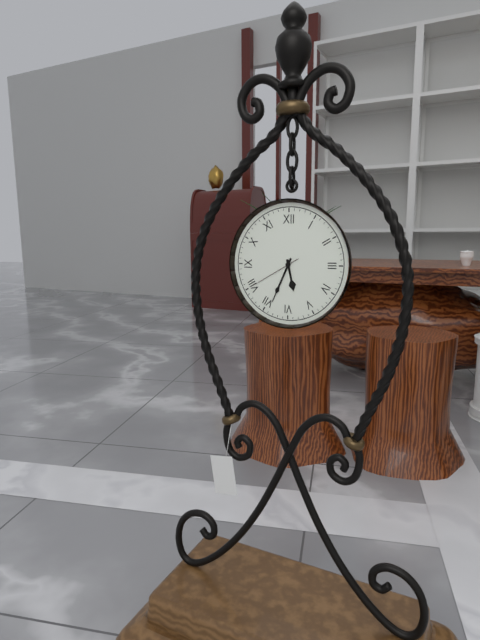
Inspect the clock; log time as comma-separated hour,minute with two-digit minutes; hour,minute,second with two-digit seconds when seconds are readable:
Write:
5,34,40
